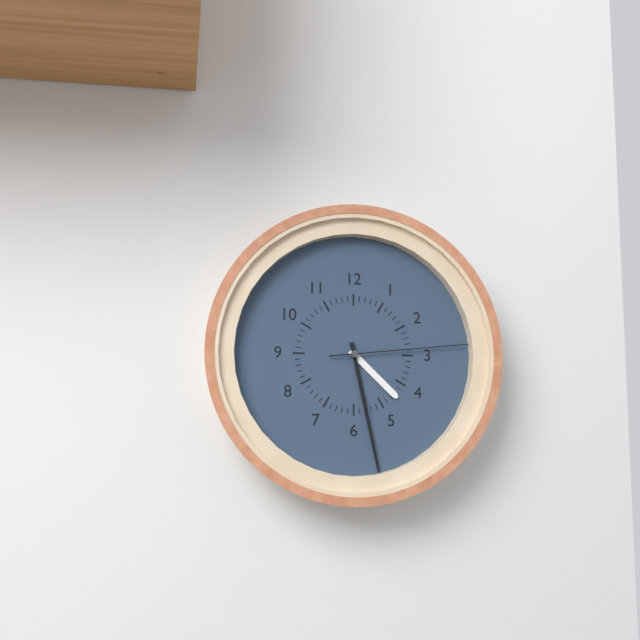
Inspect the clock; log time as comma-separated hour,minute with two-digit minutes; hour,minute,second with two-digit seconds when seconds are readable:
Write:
4,28,14
